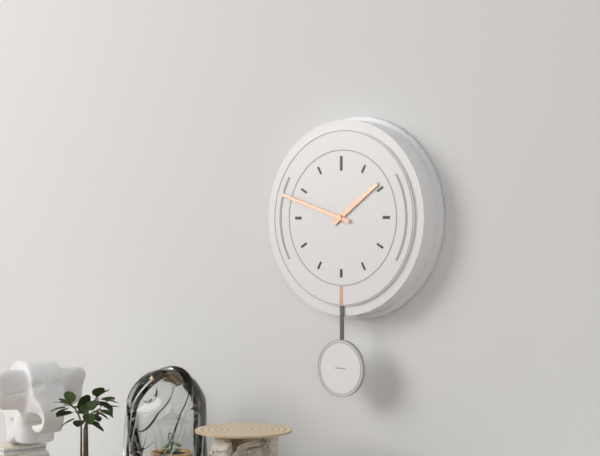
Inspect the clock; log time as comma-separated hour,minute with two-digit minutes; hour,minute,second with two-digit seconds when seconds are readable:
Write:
1,48
